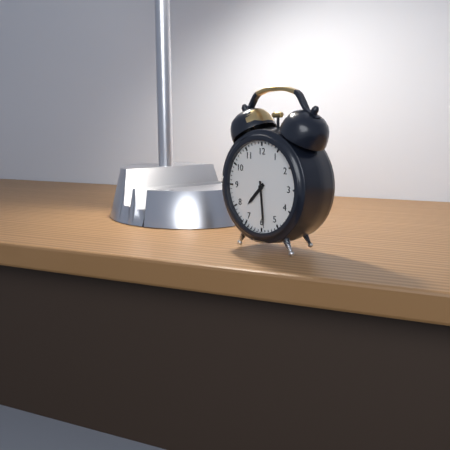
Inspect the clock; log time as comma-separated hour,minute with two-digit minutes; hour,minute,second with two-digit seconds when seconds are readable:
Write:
7,29
